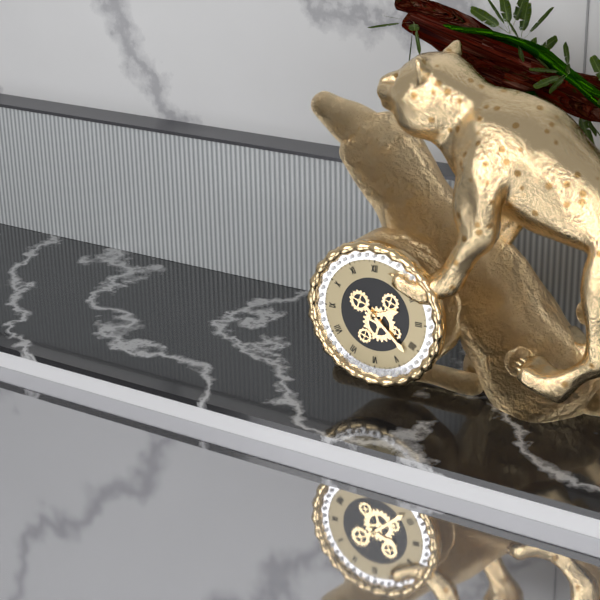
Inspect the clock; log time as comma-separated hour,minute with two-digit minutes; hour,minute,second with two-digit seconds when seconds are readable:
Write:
2,22
